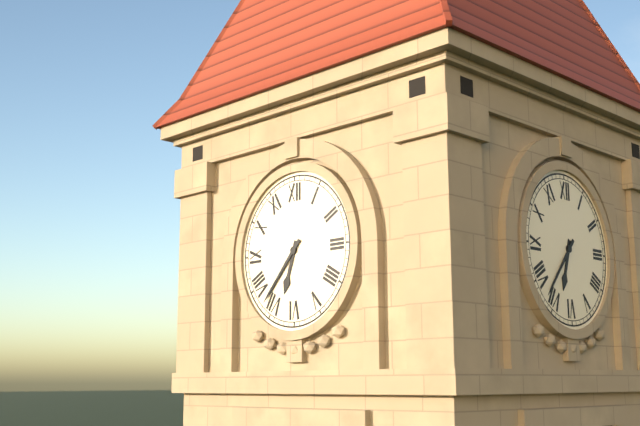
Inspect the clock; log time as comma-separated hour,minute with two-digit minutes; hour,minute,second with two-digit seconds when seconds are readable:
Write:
6,37
